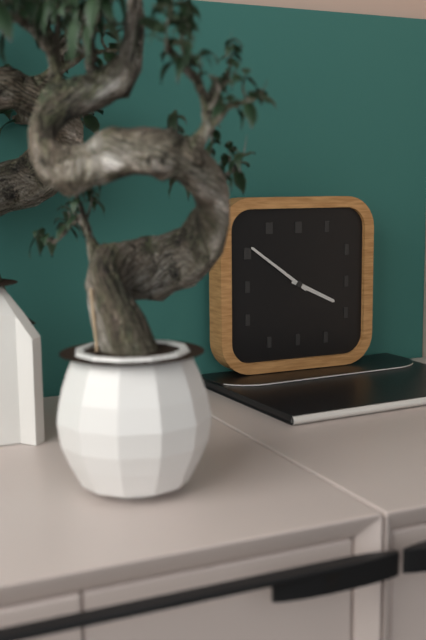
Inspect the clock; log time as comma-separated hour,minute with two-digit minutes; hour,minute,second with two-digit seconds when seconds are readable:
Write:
3,51
